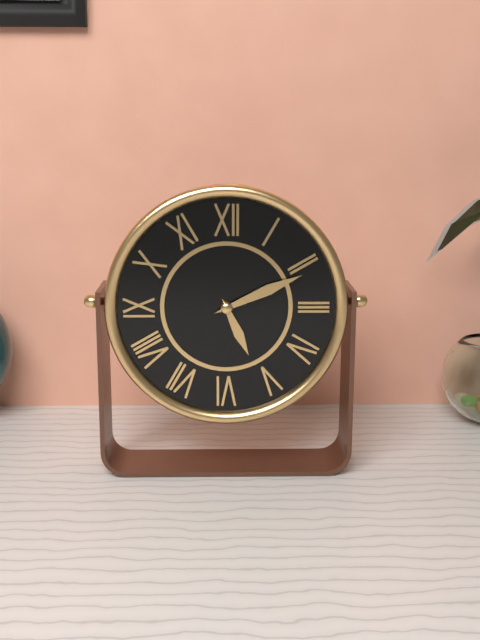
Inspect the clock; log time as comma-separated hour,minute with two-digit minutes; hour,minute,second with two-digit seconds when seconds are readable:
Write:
5,11
